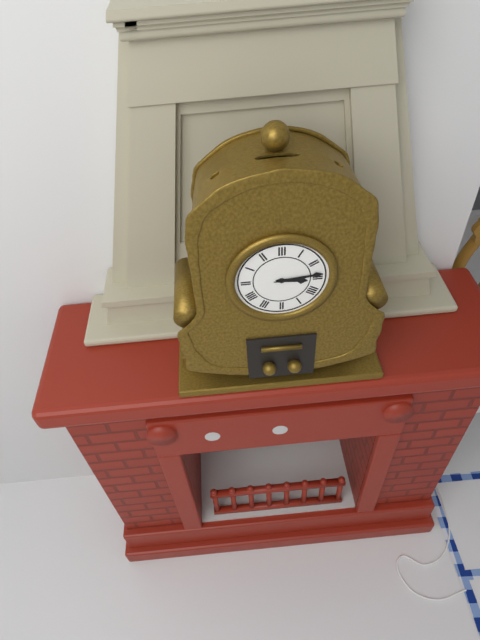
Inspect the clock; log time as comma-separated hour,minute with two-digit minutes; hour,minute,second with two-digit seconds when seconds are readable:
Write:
3,14
